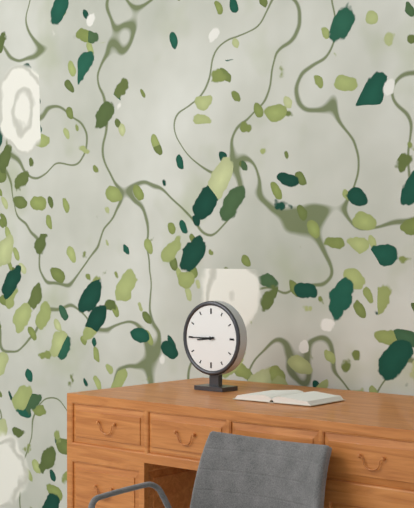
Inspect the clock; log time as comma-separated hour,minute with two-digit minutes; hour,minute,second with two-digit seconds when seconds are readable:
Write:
8,45
